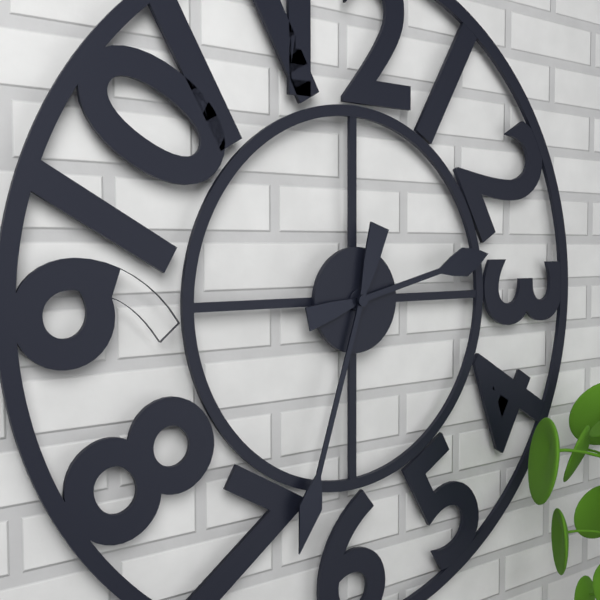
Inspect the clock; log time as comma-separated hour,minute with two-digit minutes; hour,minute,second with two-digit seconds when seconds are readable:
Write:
2,33
